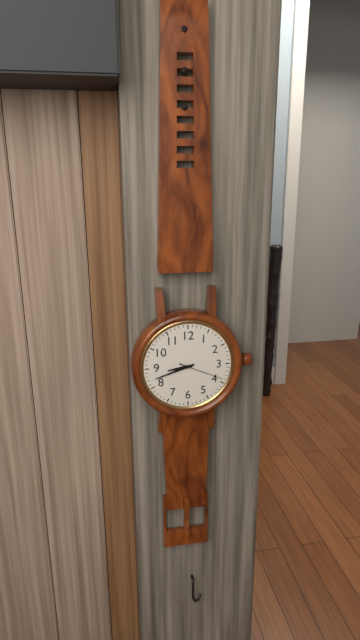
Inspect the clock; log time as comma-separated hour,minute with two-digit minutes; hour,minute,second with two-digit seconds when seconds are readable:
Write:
8,42
